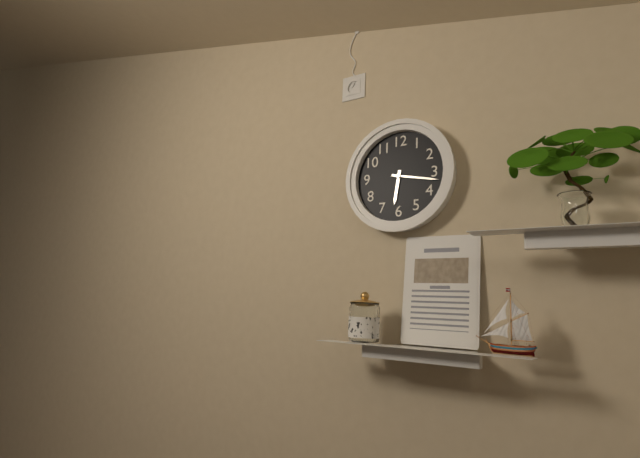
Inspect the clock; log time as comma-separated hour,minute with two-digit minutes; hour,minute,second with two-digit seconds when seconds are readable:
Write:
6,17
